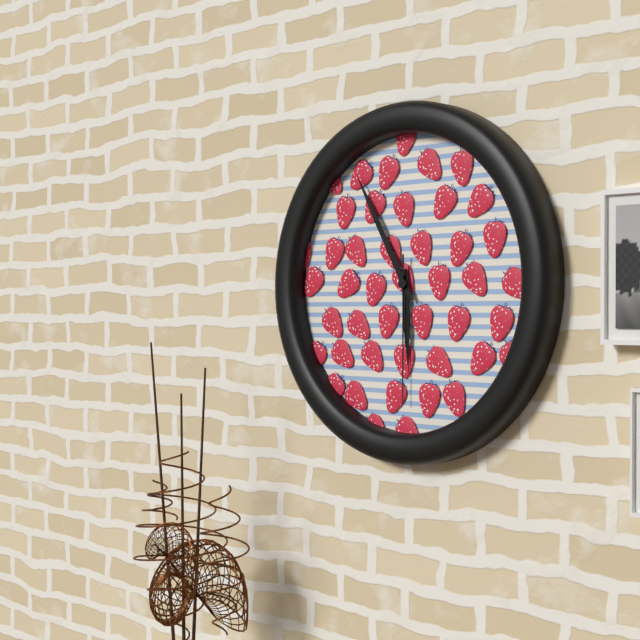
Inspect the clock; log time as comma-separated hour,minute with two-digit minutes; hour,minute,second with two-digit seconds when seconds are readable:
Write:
5,55,30
